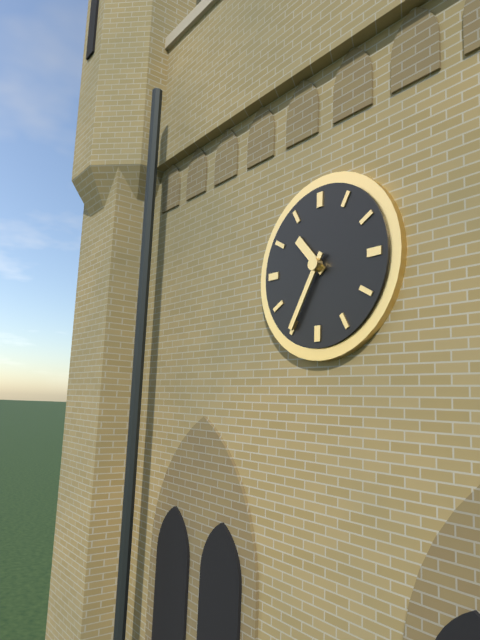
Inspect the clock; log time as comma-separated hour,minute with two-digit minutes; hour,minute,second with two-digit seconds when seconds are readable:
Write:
10,35
